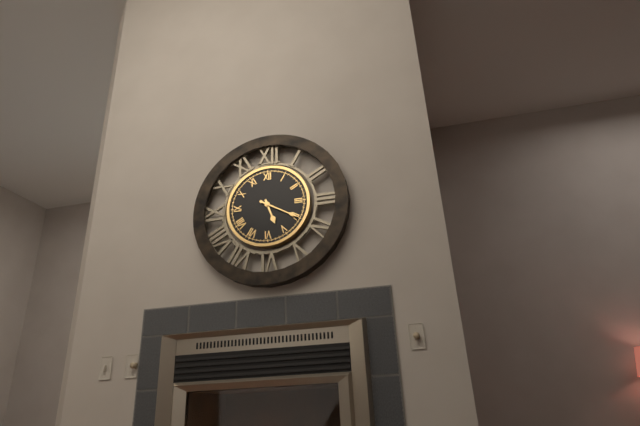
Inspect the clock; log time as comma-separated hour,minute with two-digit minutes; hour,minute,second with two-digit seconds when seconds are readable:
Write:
5,20
